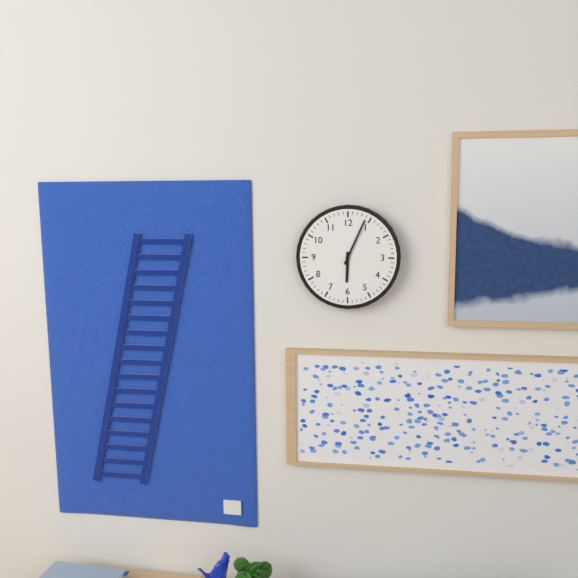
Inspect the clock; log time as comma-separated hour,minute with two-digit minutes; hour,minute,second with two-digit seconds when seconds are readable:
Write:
6,04
